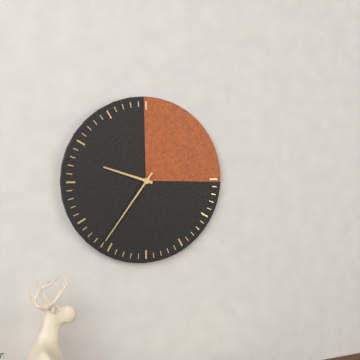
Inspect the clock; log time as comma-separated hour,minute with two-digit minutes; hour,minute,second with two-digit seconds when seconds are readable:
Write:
9,36
